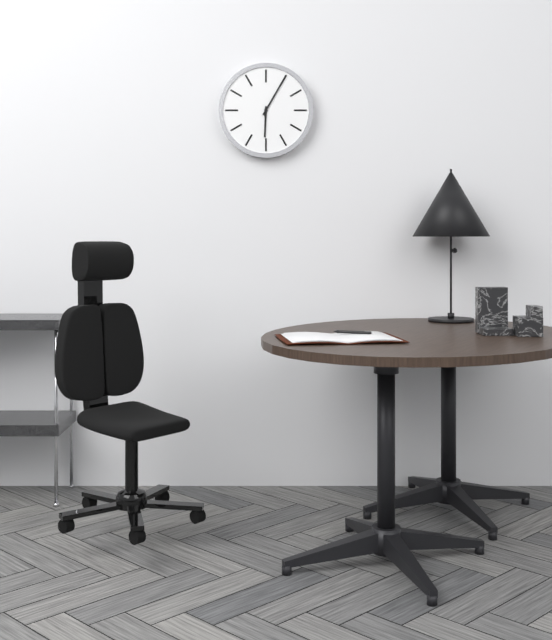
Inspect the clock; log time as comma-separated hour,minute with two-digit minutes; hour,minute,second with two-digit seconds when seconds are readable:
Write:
6,05
